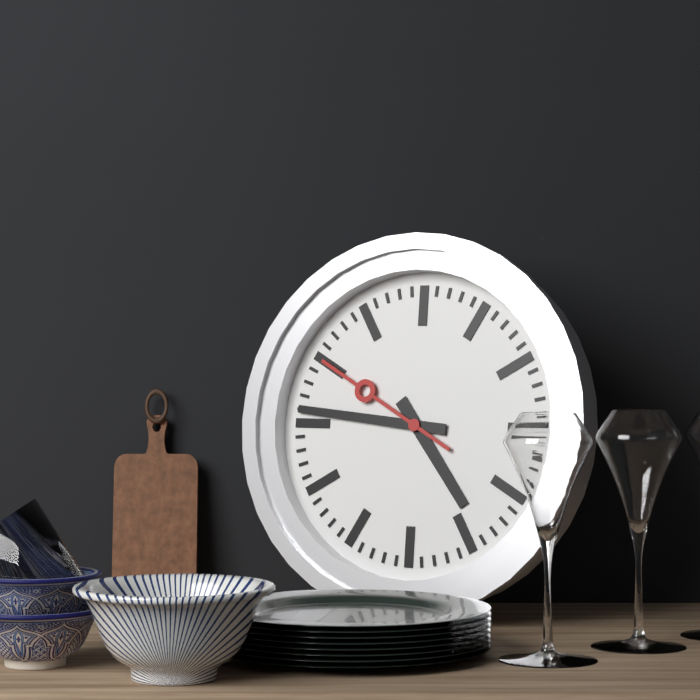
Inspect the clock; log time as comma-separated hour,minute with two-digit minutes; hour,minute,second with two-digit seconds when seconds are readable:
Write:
4,46,50
